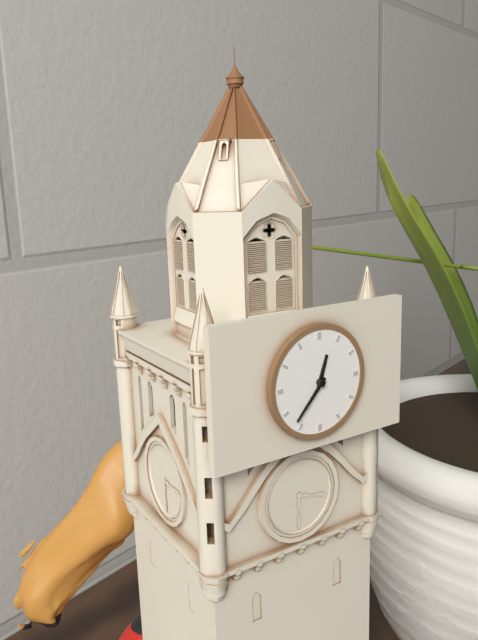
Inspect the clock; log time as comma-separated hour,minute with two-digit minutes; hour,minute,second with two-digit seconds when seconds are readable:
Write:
12,37
